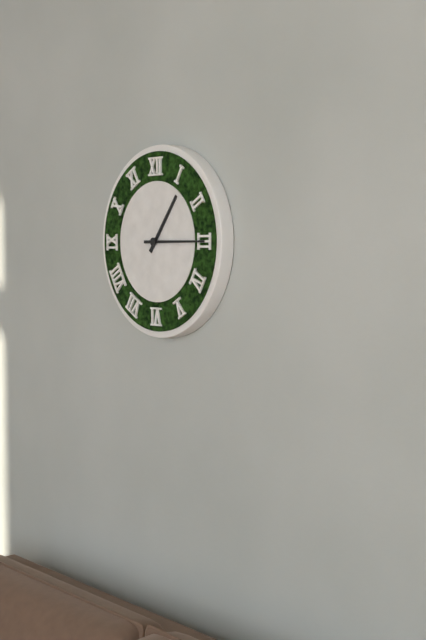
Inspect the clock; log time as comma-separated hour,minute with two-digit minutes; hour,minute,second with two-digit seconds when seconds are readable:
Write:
1,15
